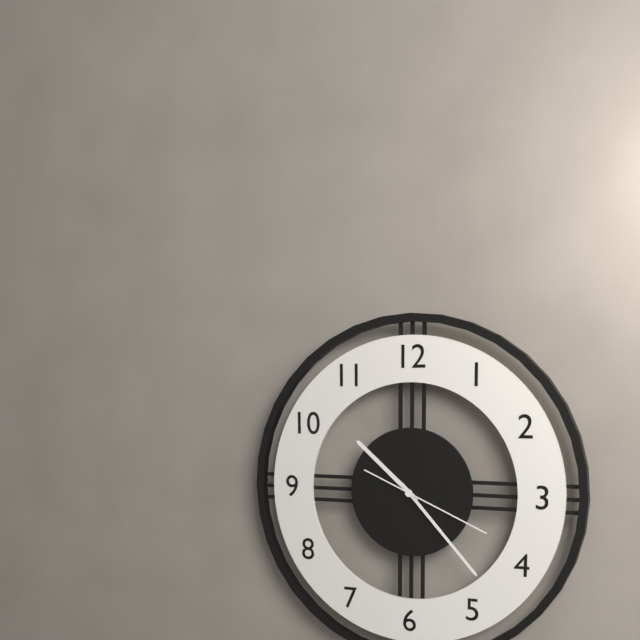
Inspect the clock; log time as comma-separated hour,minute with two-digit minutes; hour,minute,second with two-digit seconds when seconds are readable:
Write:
10,23,19
